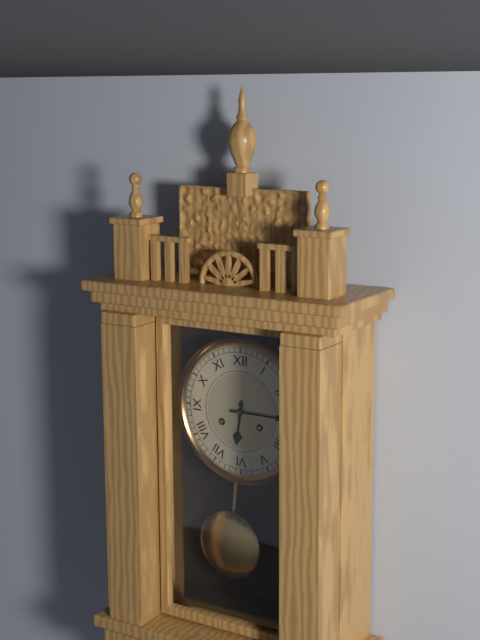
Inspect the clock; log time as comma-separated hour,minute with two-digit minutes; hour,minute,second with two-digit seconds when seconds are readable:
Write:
6,15
